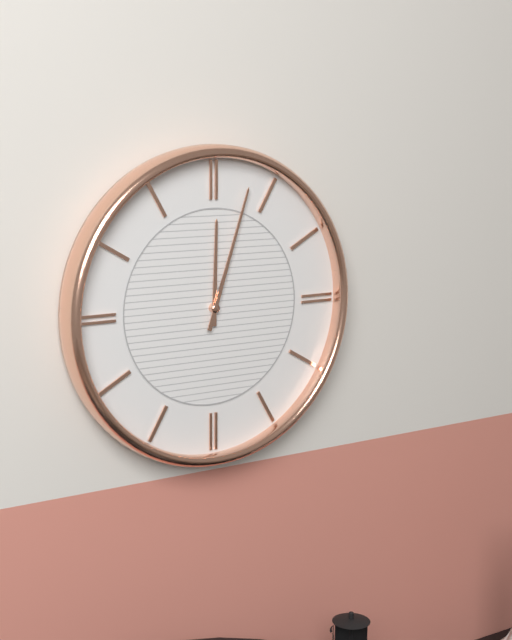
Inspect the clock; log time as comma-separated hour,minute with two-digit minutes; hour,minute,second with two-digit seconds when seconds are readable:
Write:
12,03
